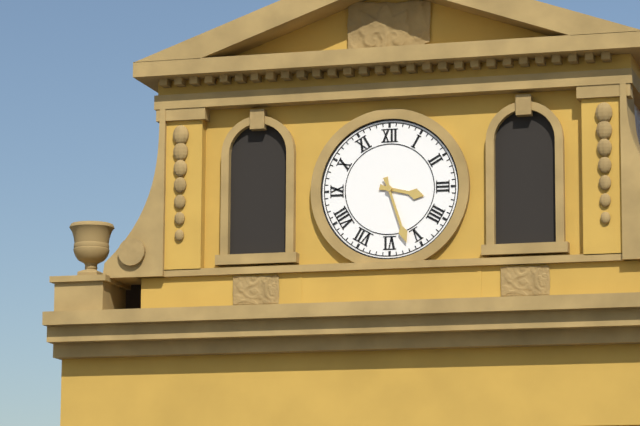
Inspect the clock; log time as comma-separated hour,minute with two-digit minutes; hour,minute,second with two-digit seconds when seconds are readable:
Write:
3,27
